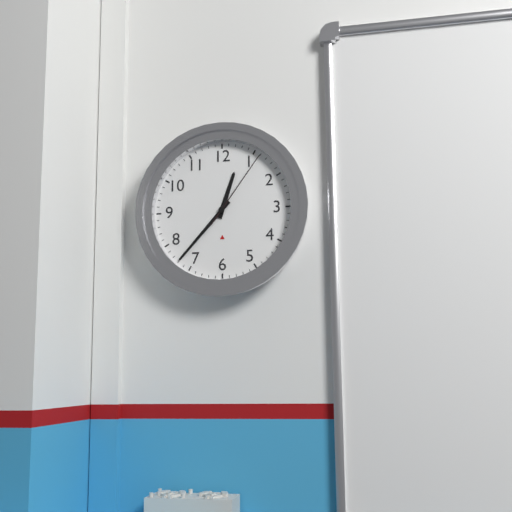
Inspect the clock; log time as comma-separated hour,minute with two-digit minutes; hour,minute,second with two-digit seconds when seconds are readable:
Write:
12,37,06
